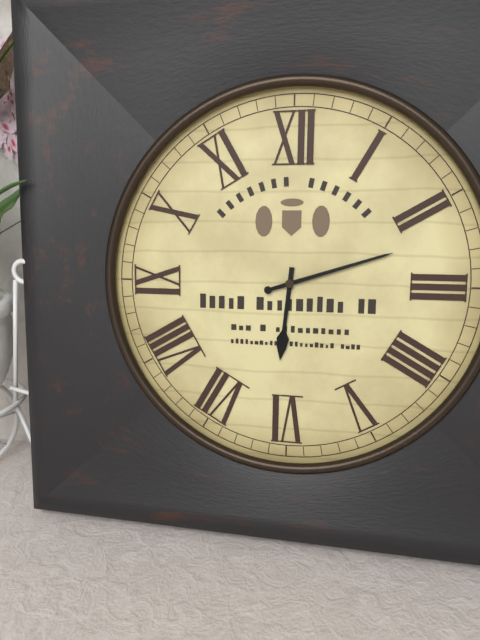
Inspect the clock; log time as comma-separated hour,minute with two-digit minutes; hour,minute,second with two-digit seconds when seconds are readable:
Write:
6,12
